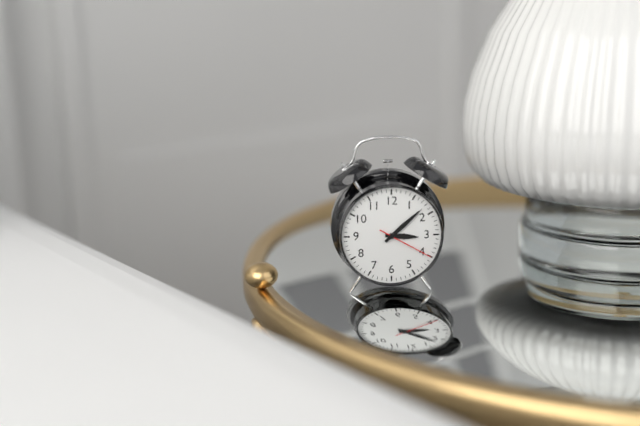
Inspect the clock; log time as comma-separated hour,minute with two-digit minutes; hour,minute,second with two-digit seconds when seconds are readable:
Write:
3,08,20
